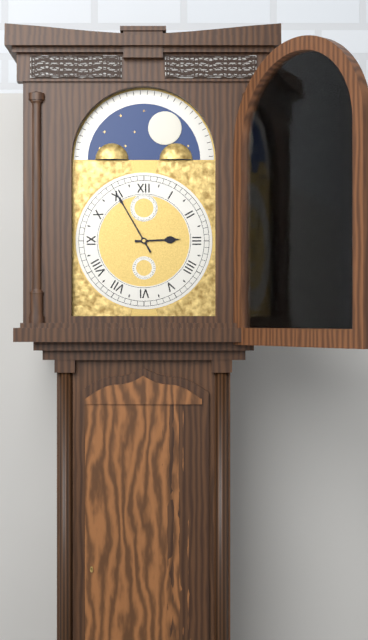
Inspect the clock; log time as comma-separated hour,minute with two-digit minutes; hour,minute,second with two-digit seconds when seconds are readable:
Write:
2,55
